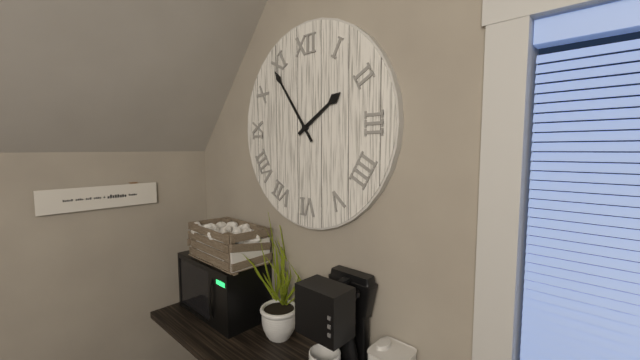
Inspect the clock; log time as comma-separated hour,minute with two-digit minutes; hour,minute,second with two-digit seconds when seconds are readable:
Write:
1,54
